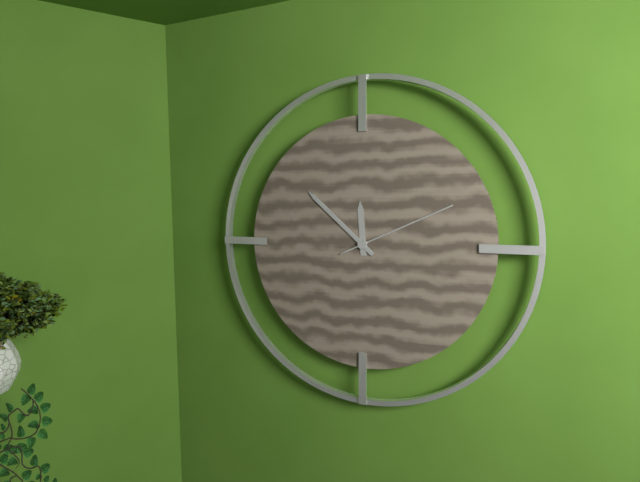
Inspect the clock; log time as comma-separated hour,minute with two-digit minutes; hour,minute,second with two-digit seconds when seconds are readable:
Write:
11,52,11
